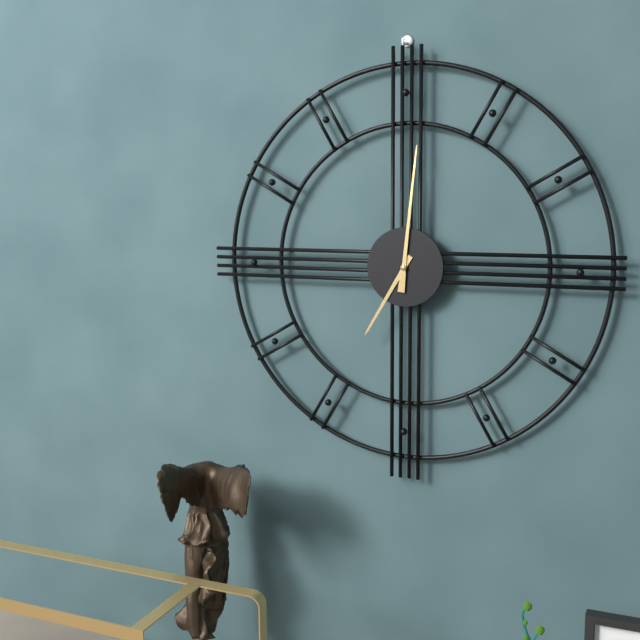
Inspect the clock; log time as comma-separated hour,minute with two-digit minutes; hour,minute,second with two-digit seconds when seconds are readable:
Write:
7,01
